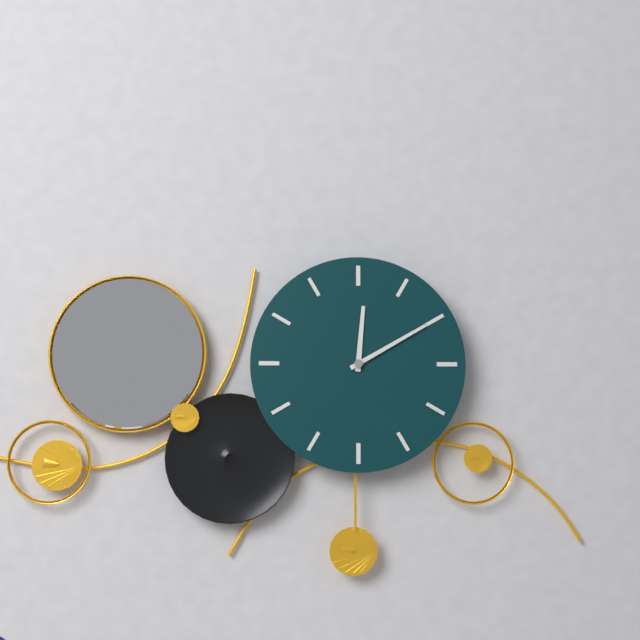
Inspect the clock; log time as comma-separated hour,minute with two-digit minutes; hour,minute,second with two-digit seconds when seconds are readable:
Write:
12,10
